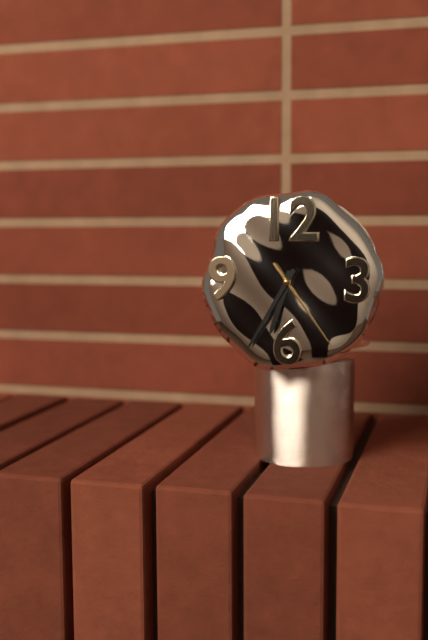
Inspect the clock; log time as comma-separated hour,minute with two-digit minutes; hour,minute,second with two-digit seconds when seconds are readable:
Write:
6,35,24
